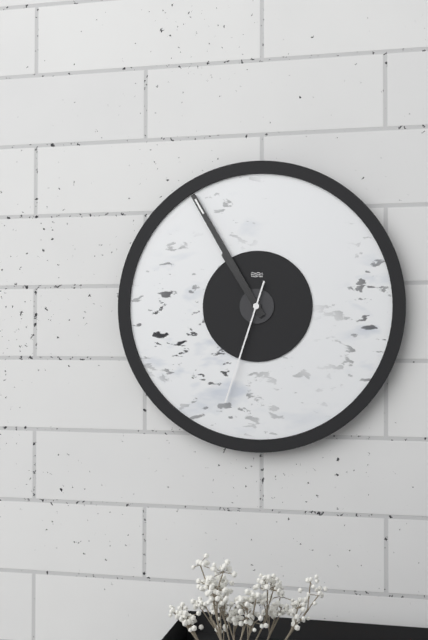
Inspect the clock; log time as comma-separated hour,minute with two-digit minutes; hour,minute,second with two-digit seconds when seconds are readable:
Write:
10,55,33
